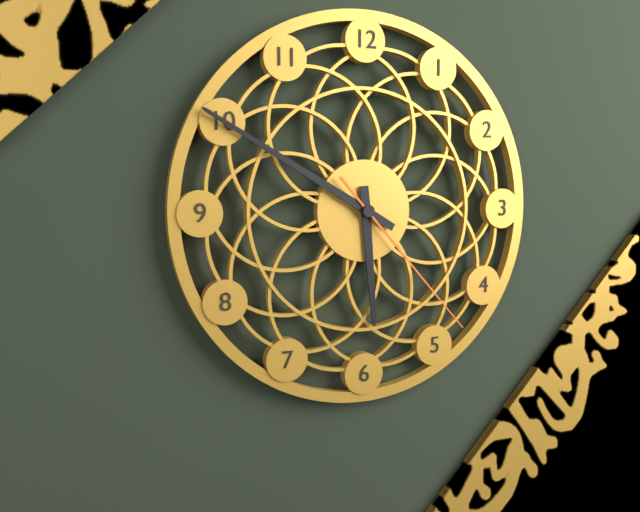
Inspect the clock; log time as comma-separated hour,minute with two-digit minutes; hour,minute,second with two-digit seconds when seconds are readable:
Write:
5,50,23
